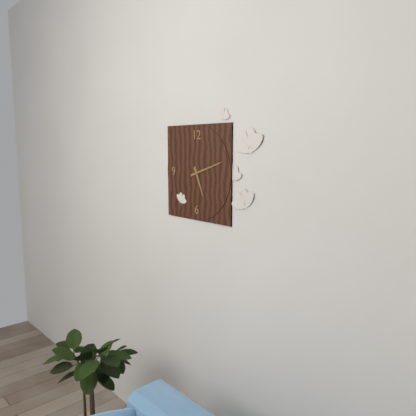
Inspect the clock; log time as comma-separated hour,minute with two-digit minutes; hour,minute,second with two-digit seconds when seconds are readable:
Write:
5,12
